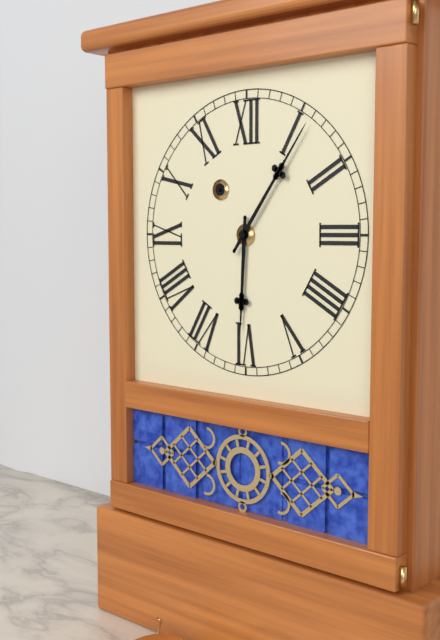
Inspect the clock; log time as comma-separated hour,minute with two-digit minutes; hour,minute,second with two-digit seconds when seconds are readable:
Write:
6,06
